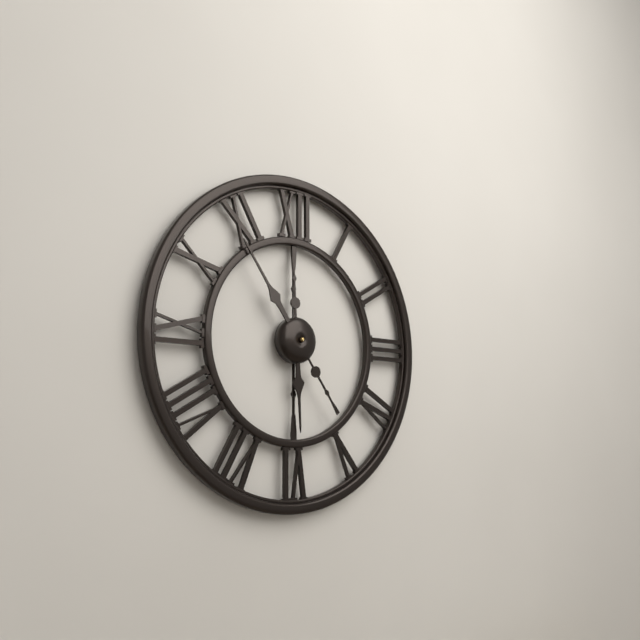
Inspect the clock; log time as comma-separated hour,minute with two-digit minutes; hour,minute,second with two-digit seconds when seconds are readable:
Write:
5,54
